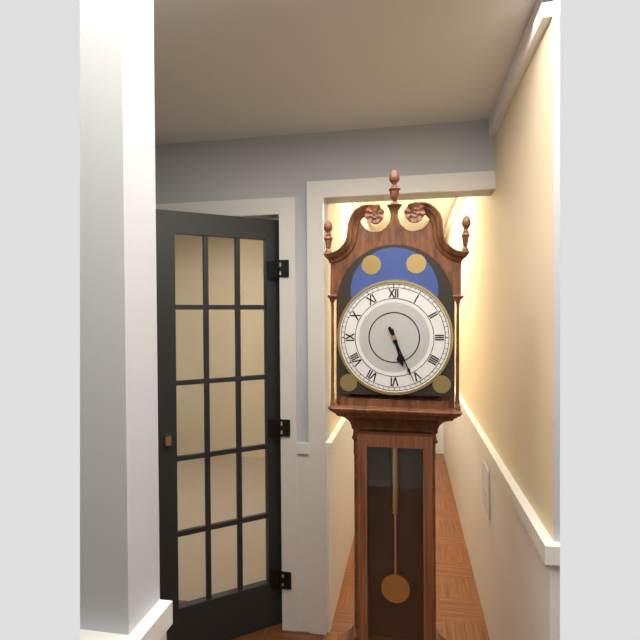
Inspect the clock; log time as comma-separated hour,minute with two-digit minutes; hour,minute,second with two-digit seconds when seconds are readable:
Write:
5,26
